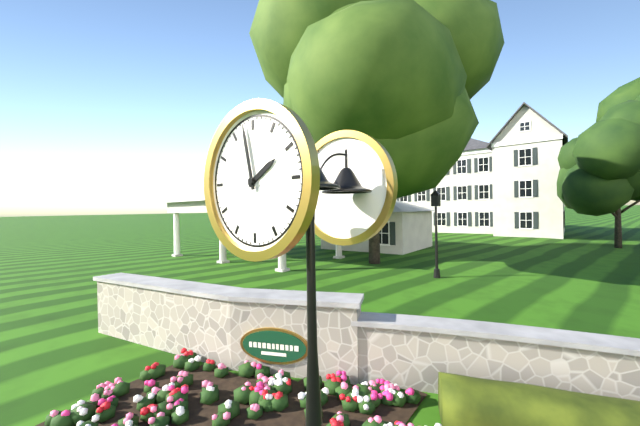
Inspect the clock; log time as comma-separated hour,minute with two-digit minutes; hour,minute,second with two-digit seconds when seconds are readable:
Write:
1,58
